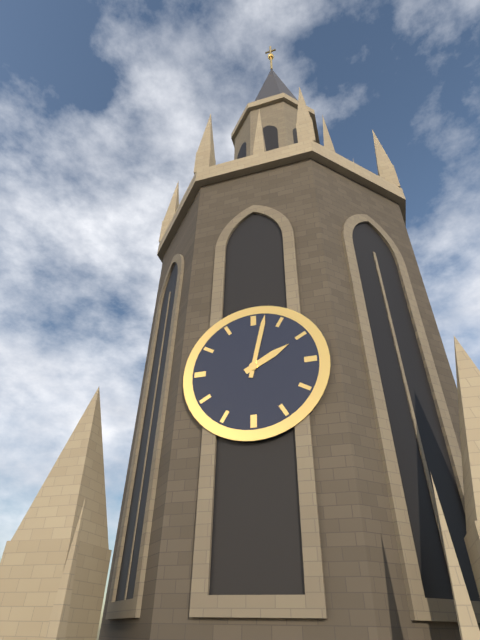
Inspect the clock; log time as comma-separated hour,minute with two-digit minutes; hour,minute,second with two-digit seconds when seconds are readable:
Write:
2,02
